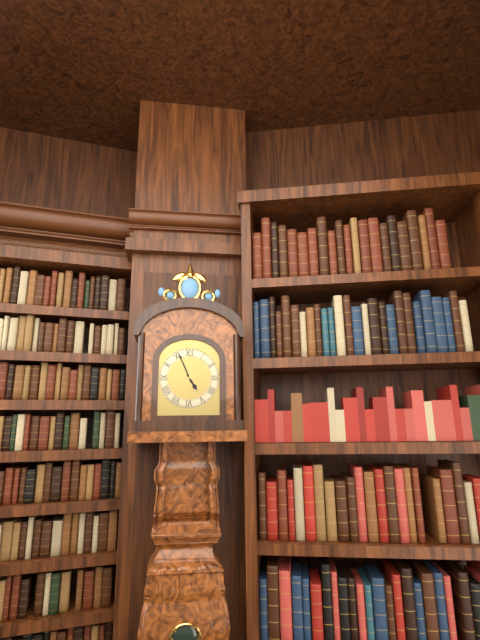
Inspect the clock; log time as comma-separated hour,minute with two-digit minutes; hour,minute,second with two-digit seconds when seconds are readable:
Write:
4,56
